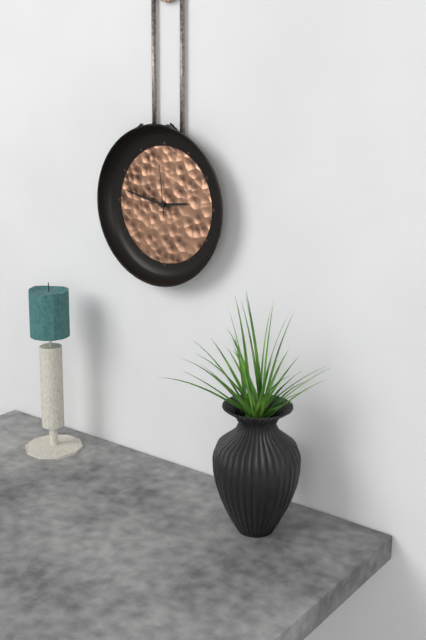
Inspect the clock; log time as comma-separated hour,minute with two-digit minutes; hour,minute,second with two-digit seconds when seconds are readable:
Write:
2,47,59
